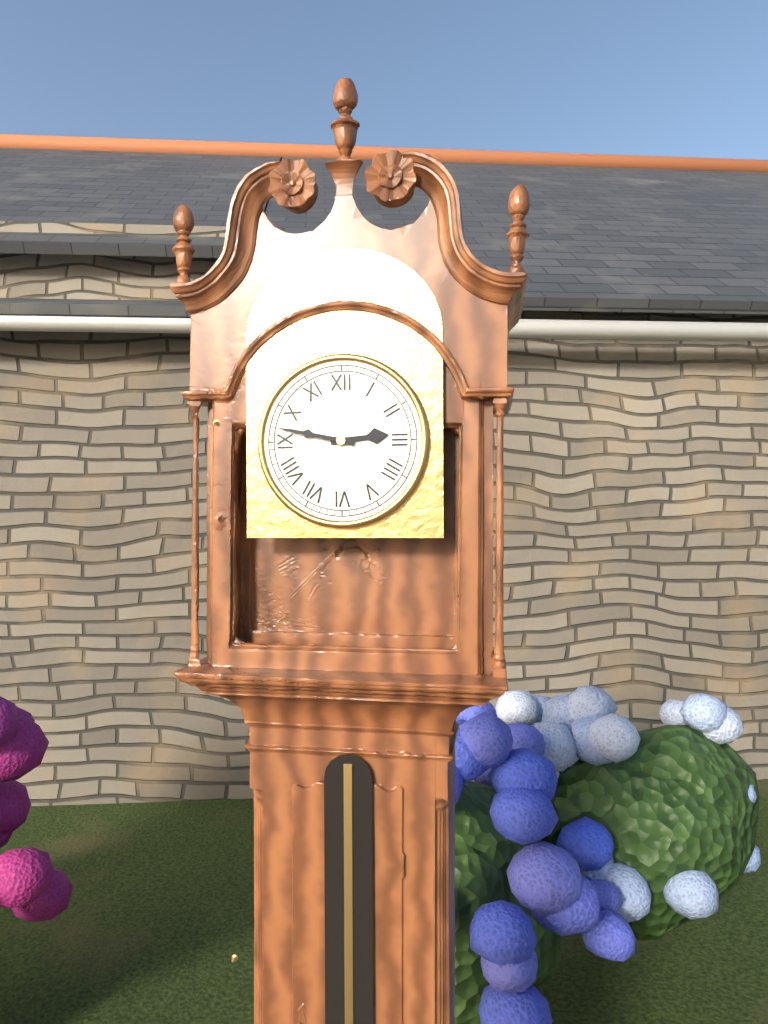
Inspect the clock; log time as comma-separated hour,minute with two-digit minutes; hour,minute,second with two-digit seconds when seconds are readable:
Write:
2,47
